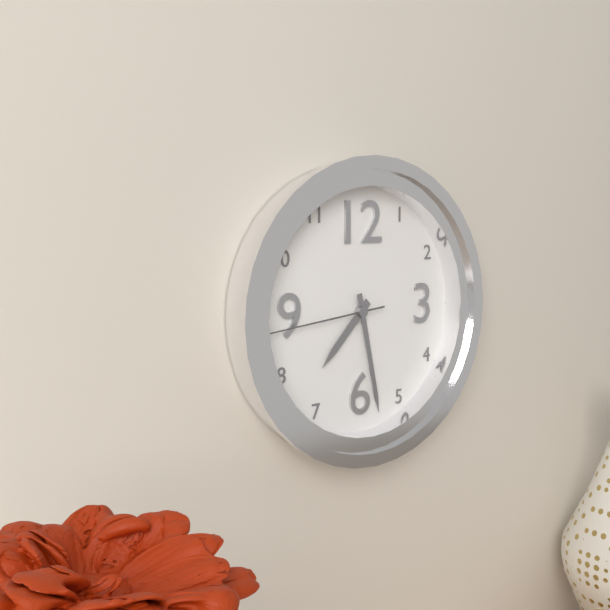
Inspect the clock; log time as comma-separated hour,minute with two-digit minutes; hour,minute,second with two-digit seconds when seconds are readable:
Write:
7,28,44
